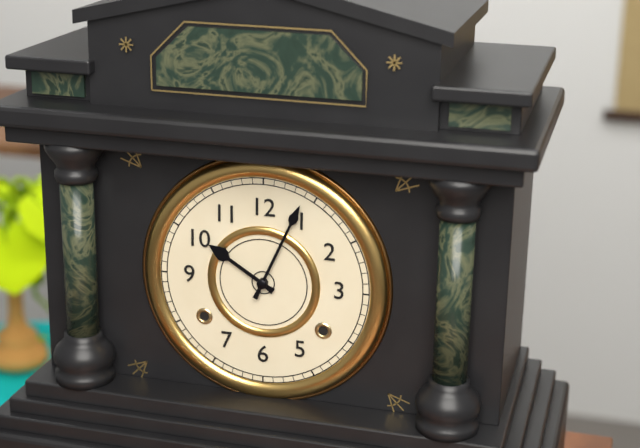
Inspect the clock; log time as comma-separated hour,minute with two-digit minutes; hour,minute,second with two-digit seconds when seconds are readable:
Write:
10,04
